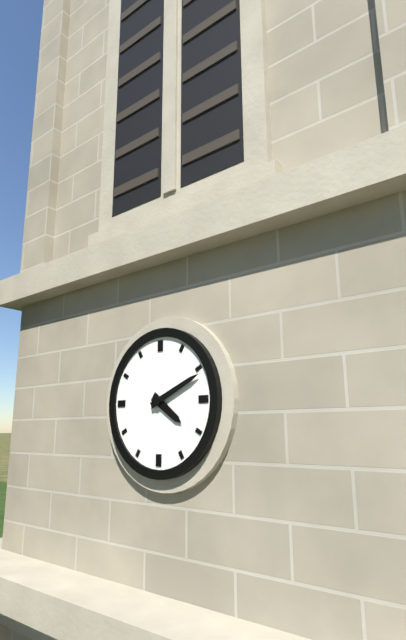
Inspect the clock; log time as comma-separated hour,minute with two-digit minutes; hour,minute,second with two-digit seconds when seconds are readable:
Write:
4,11
